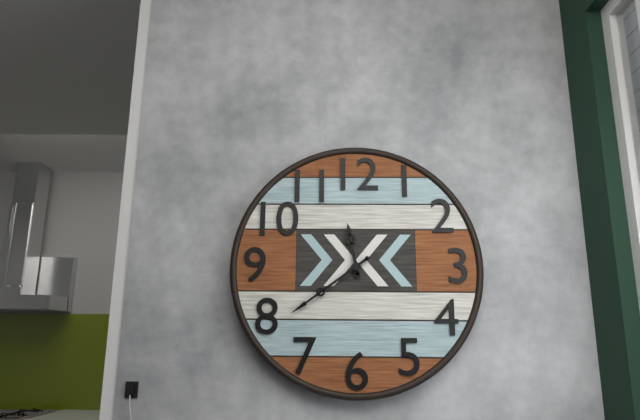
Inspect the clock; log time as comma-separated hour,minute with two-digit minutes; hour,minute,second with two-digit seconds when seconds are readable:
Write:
11,39
